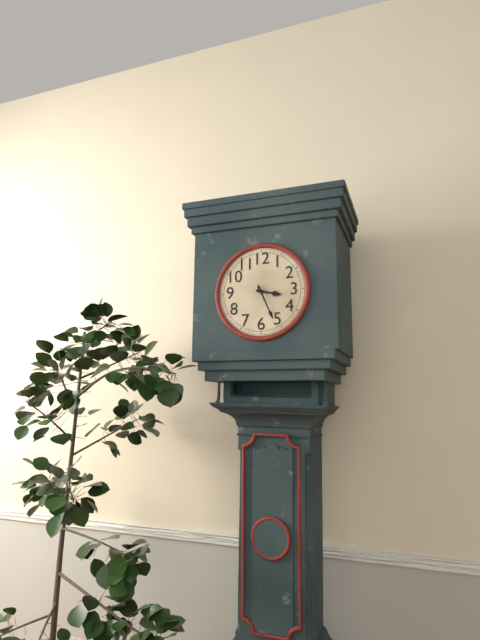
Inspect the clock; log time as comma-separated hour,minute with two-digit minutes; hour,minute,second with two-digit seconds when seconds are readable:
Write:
3,26
